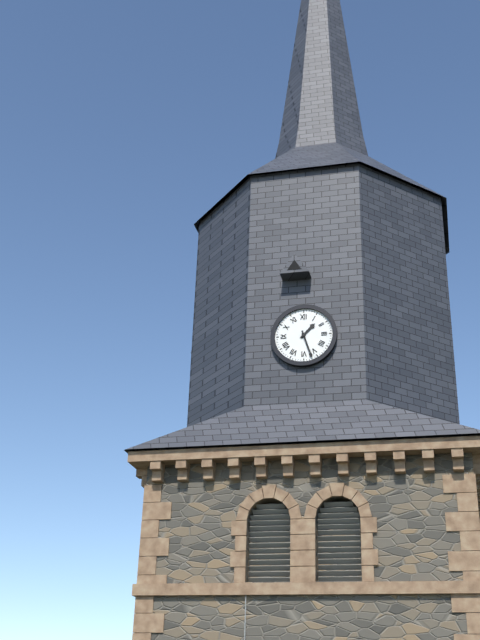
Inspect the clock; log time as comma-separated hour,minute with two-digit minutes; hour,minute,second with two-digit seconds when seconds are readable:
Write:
1,27
